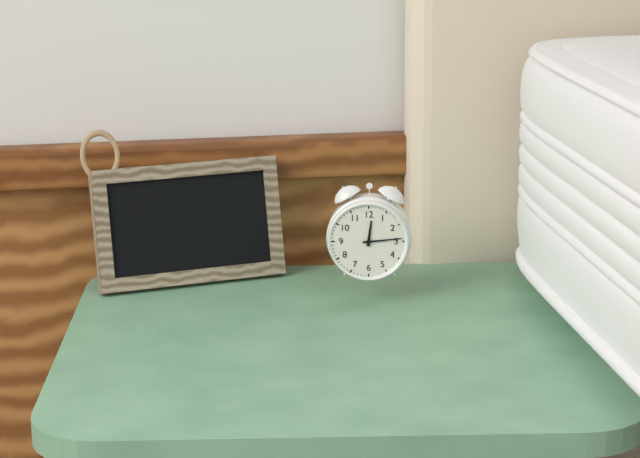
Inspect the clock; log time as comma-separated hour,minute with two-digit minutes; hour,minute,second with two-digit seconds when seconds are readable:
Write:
12,14
